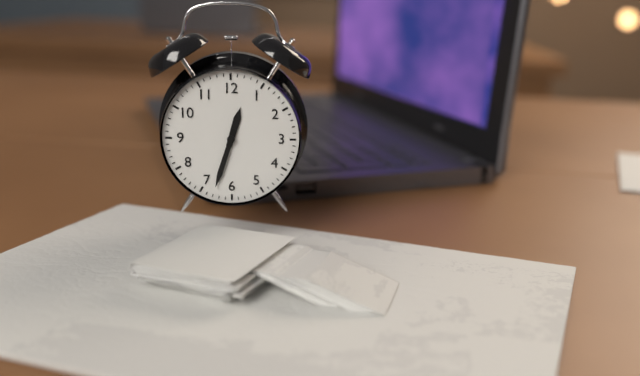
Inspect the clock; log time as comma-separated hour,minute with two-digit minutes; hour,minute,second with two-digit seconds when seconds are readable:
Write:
12,33
